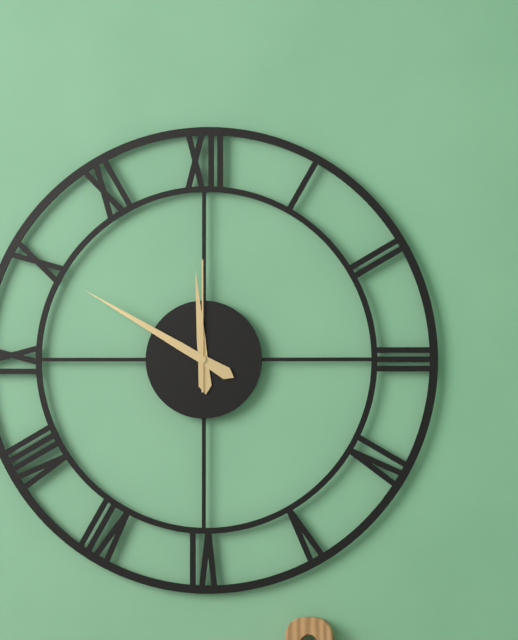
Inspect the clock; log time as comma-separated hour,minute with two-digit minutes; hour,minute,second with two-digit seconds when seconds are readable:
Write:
11,50,00
